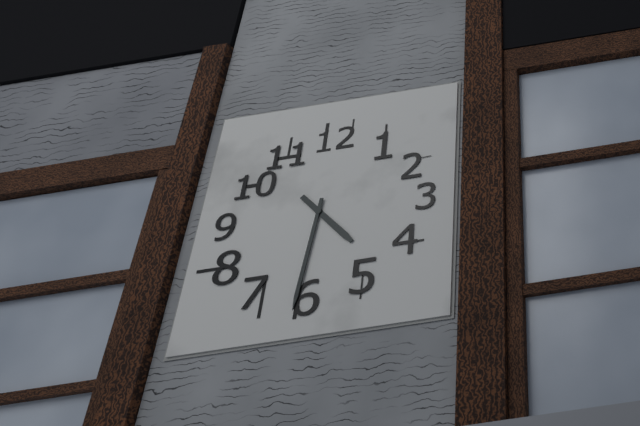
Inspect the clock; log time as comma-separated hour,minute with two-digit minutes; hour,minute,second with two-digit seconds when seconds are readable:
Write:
4,31
